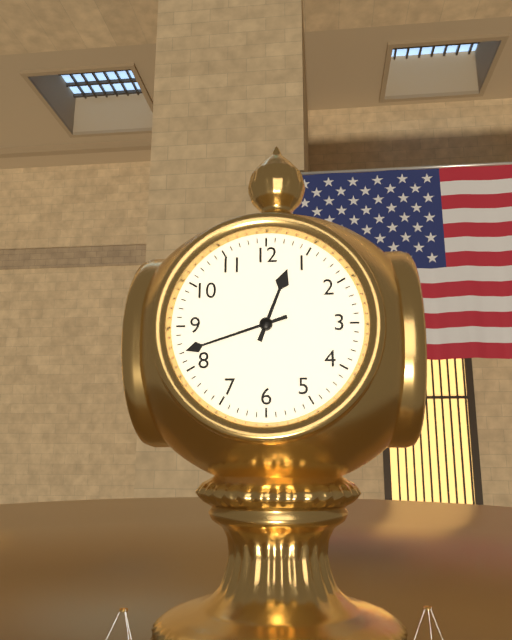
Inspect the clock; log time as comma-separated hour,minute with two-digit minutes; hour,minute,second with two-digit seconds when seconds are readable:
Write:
12,42
